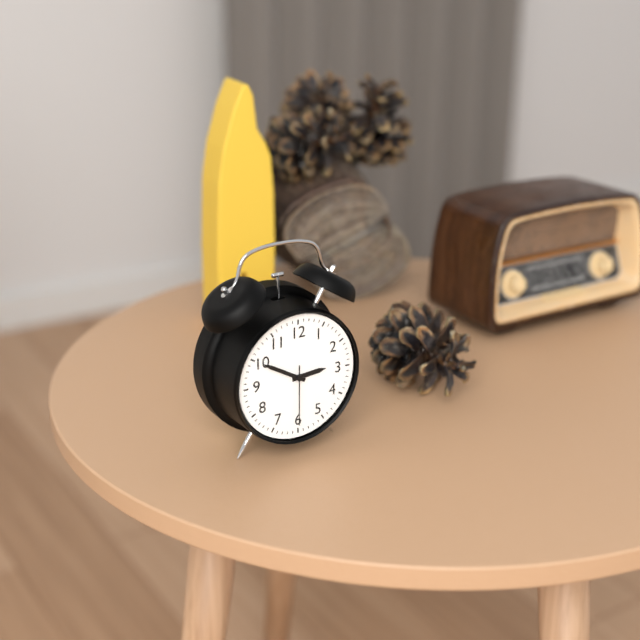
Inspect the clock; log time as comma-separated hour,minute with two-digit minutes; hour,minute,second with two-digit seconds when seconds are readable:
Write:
2,50,30
